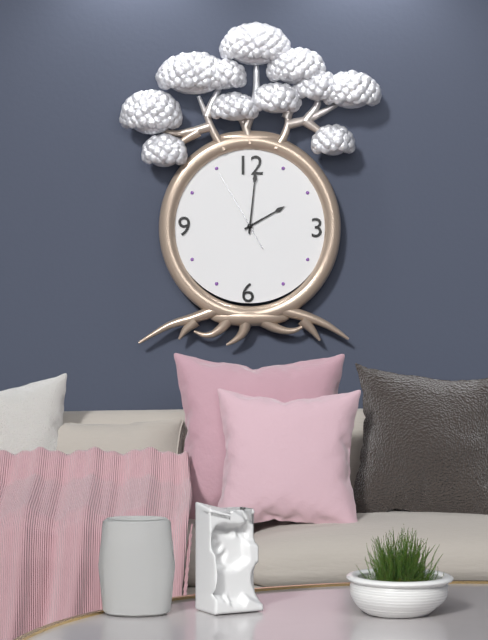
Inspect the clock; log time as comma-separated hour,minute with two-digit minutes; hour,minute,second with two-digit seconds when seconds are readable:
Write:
2,01,55
